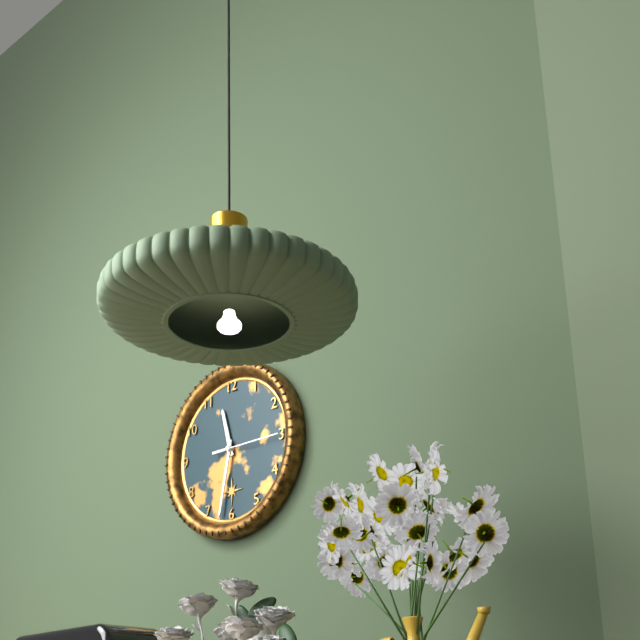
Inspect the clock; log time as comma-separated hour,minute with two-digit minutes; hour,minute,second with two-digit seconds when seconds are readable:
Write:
11,32,15
